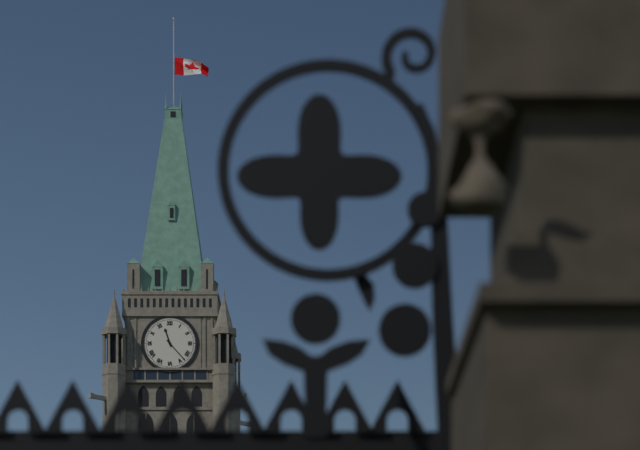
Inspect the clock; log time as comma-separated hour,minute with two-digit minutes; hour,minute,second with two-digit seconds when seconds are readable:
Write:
11,23
